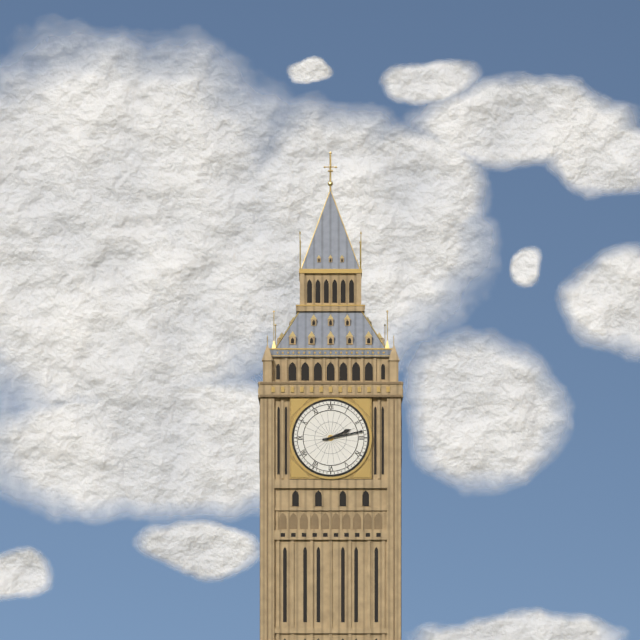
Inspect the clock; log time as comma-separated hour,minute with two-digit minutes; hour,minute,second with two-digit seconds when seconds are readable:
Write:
2,13
